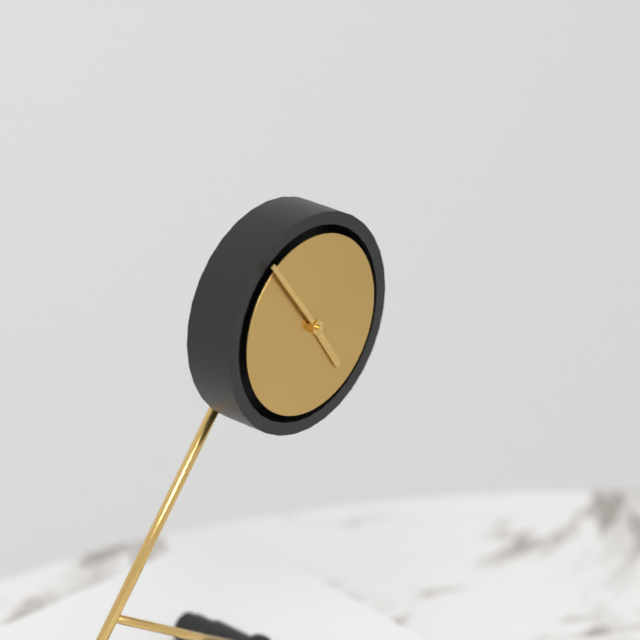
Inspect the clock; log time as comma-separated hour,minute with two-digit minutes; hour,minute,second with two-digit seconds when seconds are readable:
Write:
4,54
